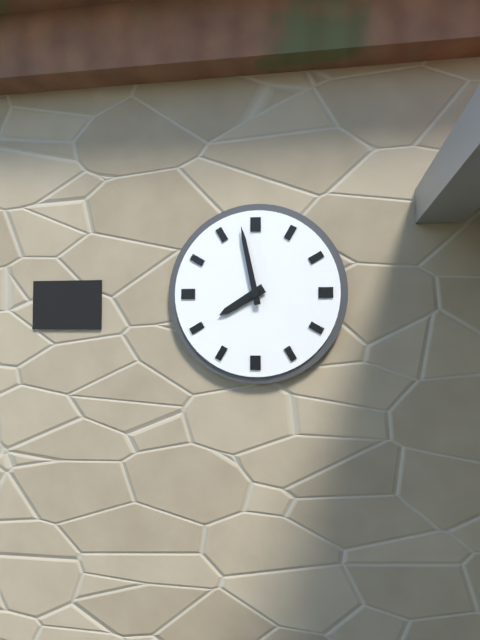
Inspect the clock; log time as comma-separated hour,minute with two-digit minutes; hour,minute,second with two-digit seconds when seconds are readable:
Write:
7,58
